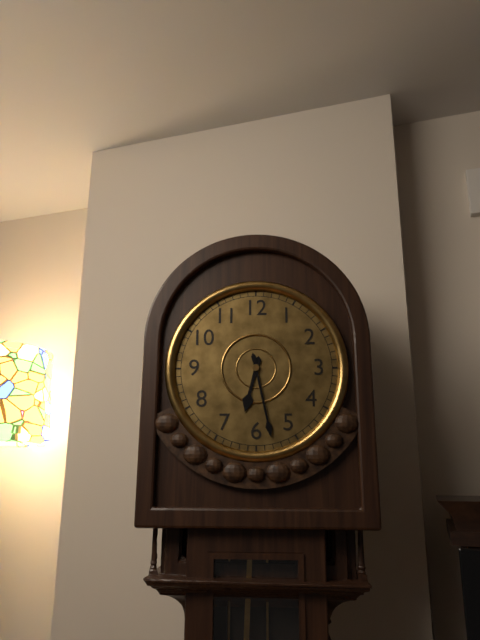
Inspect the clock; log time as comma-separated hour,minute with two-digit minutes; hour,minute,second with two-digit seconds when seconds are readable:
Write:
6,28
